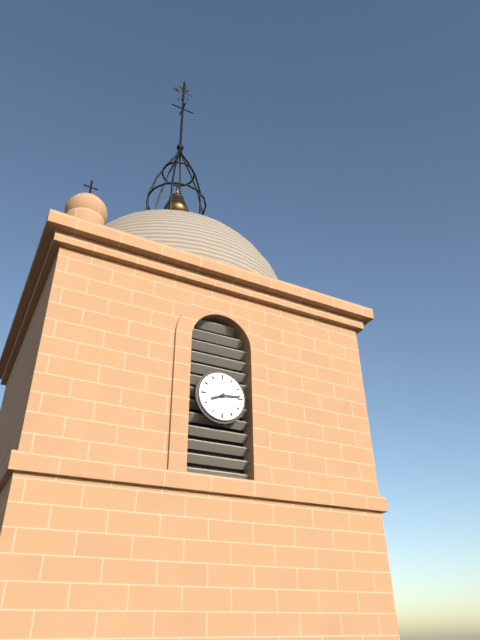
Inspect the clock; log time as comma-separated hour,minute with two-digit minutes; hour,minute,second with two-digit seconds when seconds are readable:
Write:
8,14
